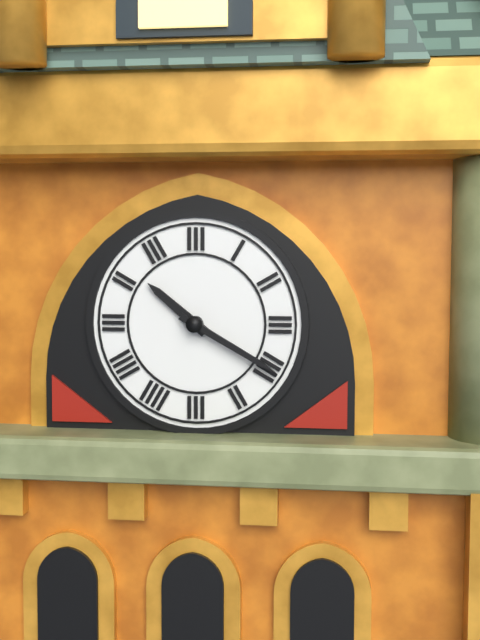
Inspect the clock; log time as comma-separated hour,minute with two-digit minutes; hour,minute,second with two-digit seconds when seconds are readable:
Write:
10,20
